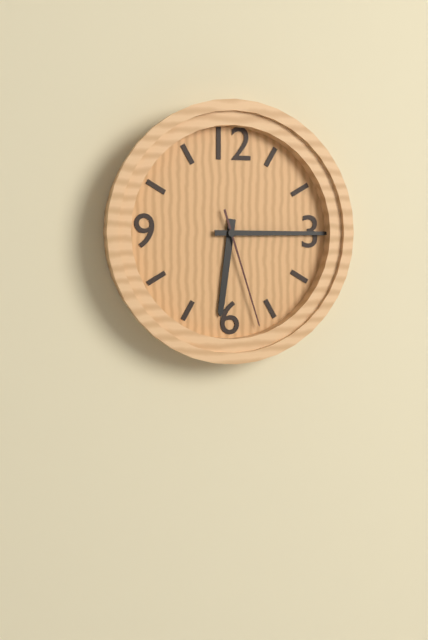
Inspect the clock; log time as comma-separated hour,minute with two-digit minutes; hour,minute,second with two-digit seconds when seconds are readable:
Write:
6,15,27
